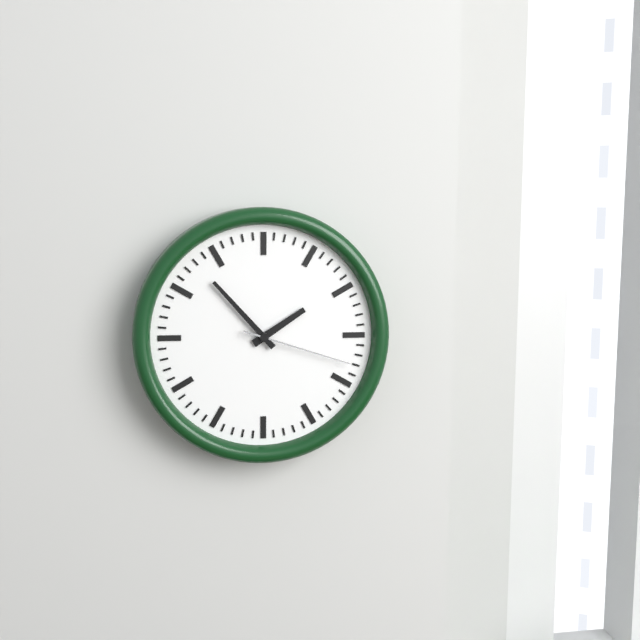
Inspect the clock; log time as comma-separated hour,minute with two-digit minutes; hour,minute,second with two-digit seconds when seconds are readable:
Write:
1,53,18
